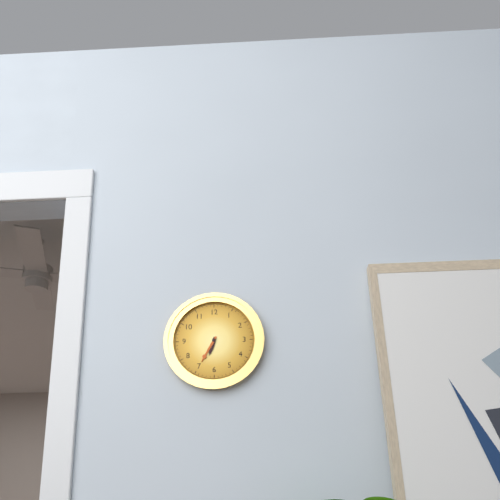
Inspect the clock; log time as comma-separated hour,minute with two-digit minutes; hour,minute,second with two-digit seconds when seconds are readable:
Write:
6,35
